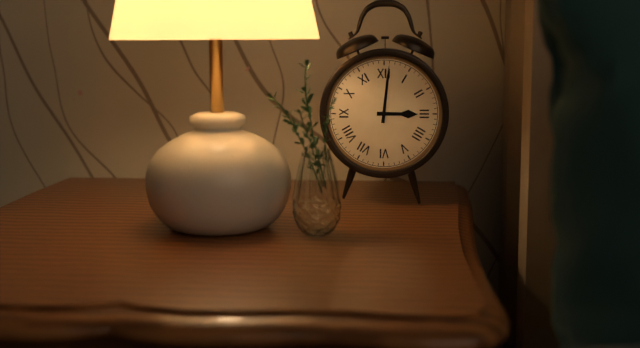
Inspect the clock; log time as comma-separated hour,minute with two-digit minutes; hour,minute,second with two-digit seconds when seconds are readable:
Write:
3,01
